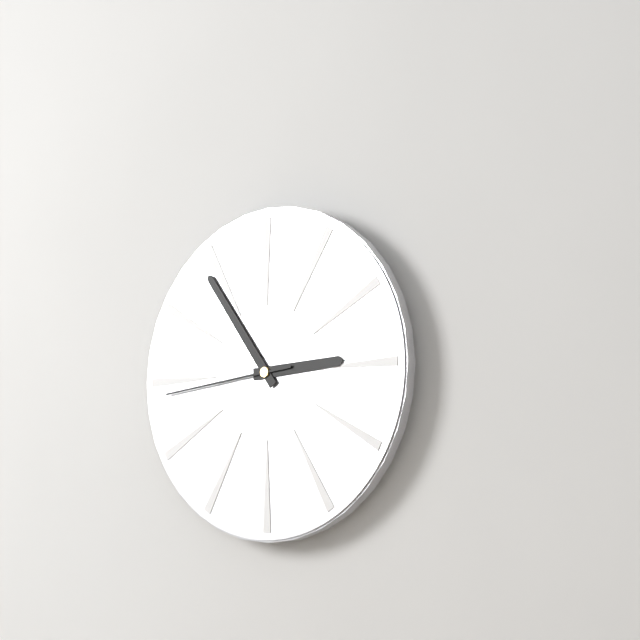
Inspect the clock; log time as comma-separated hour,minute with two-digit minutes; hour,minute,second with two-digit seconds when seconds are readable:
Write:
2,54,44
